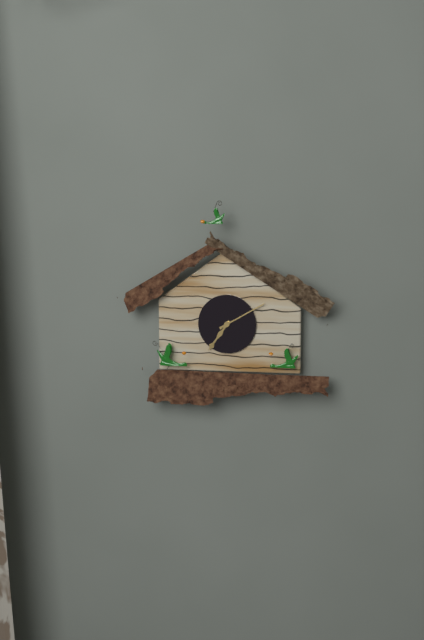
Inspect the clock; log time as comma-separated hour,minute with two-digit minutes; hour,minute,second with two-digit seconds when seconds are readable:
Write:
7,10
